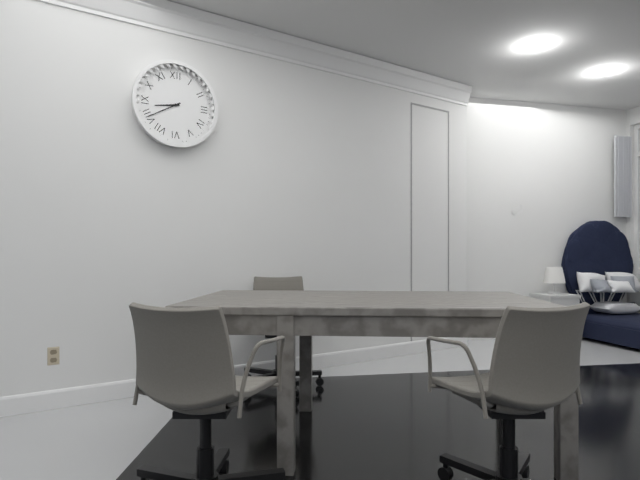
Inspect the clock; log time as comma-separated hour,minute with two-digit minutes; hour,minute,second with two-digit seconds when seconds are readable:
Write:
8,40
